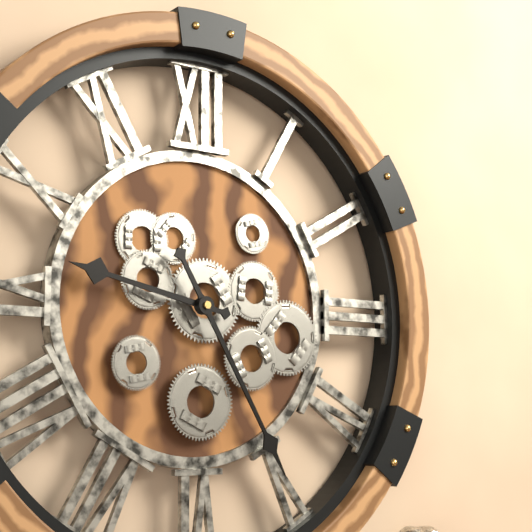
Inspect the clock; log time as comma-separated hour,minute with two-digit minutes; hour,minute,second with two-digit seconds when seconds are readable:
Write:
9,25
